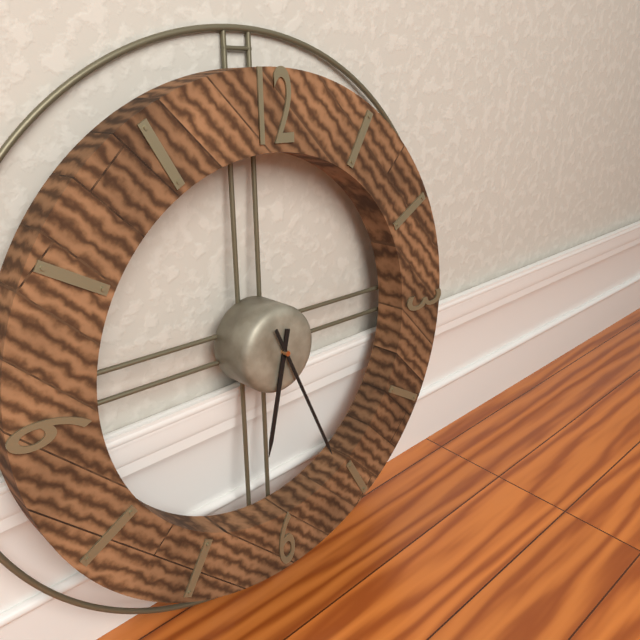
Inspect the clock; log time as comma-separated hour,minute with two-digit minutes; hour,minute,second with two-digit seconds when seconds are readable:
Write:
6,26
